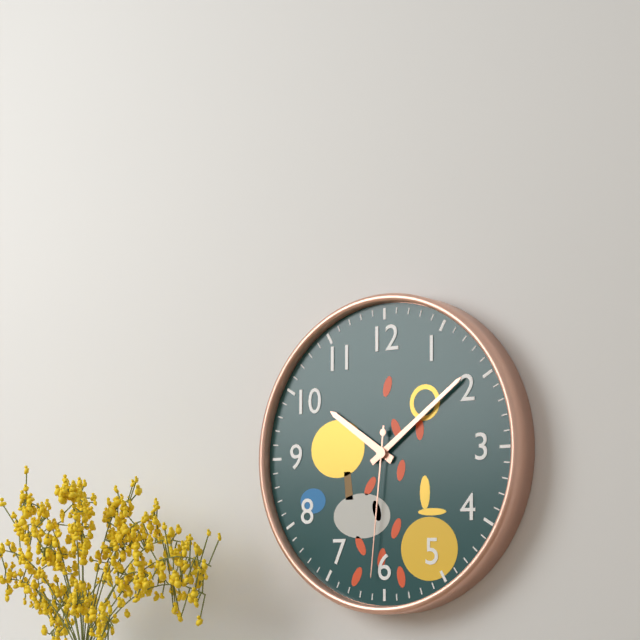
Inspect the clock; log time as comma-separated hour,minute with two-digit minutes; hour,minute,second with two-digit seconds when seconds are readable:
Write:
10,09,31
